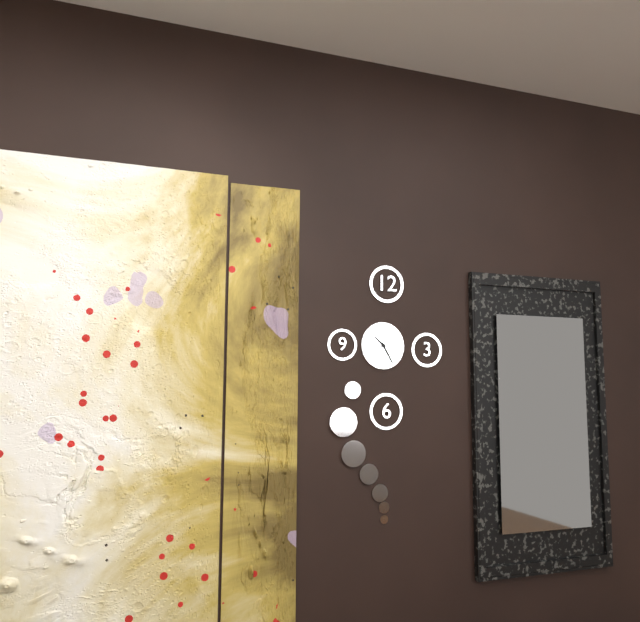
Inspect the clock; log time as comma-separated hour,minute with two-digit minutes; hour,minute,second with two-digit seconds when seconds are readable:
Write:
10,25
